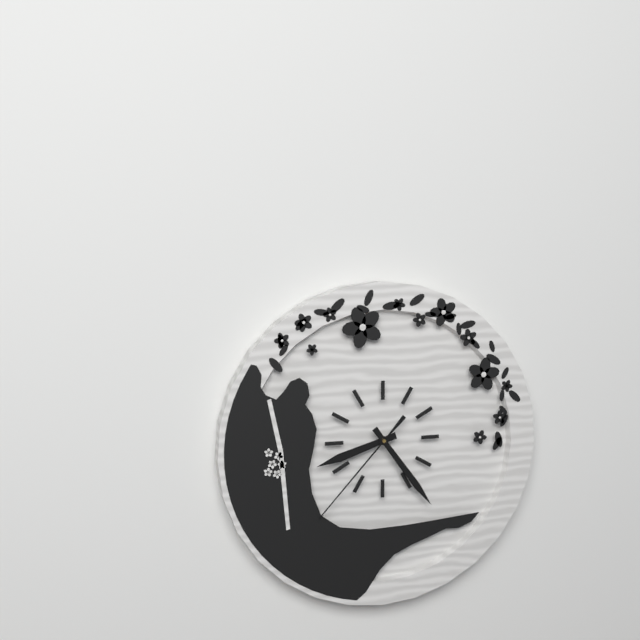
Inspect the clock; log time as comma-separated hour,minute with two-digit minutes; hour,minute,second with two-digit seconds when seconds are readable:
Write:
8,24,37
